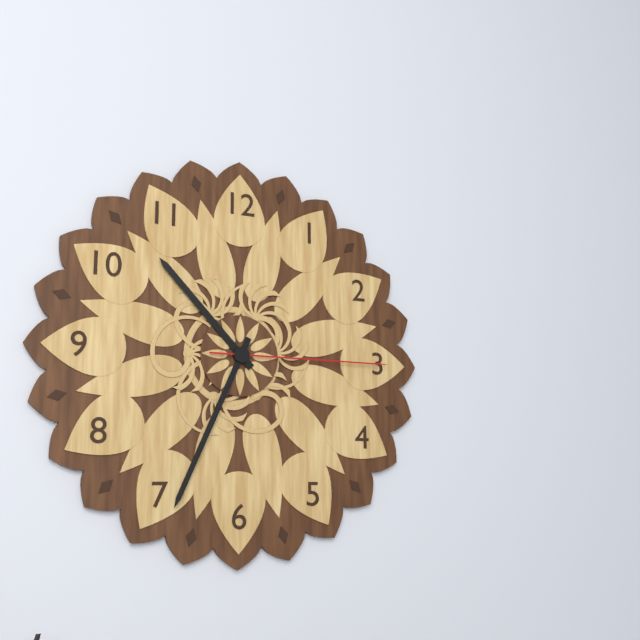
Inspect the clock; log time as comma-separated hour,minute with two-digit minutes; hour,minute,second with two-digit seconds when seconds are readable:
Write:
10,34,15
